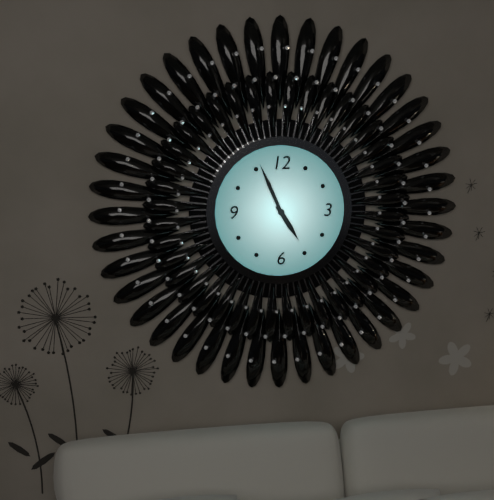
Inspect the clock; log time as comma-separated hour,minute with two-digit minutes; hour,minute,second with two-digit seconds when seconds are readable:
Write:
4,56
